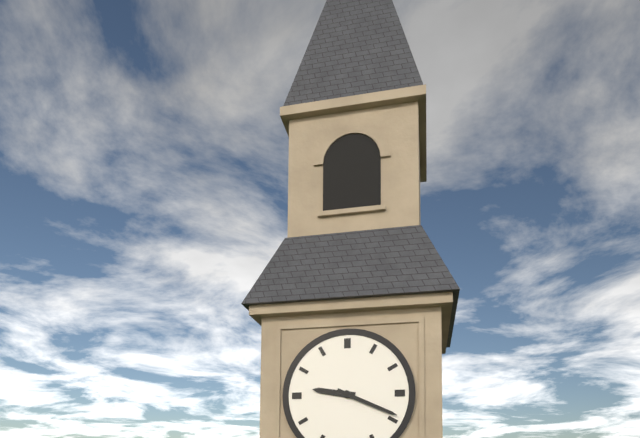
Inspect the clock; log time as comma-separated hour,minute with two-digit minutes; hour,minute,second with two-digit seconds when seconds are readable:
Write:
9,19
